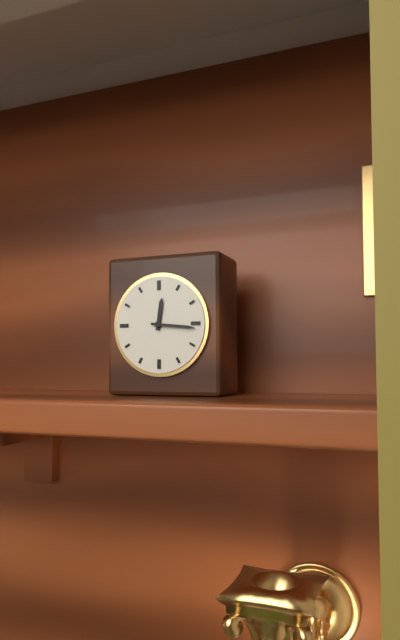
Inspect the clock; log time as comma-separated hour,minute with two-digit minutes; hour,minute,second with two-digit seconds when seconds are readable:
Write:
12,16
